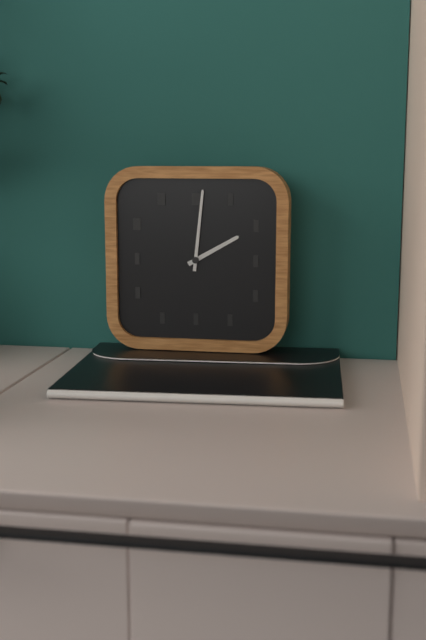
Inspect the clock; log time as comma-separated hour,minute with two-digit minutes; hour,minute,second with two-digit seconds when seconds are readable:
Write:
2,01
